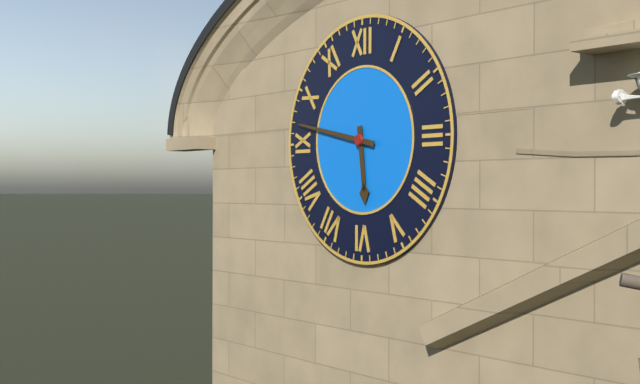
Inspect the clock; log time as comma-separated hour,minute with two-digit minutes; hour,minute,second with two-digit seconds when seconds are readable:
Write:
5,47
